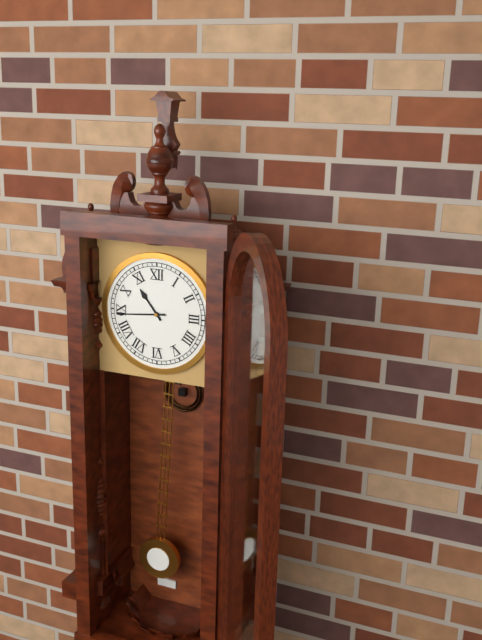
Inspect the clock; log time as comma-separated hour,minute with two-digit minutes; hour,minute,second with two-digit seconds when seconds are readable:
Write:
10,44
